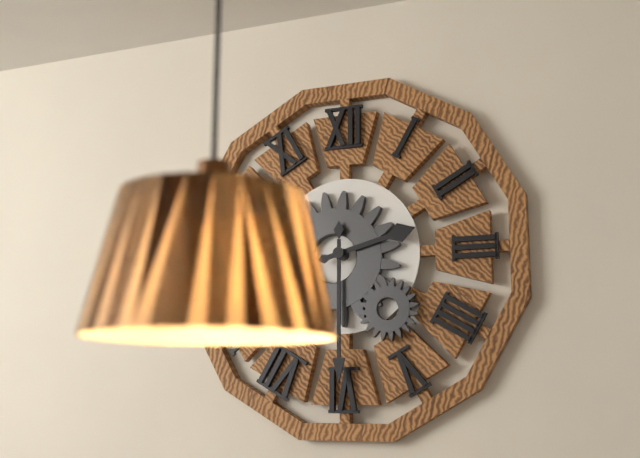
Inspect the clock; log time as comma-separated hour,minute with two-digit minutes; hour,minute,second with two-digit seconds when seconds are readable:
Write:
2,30
